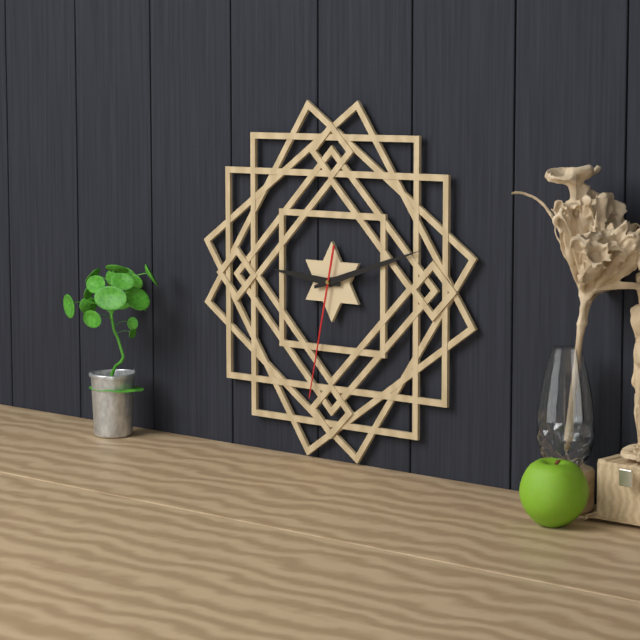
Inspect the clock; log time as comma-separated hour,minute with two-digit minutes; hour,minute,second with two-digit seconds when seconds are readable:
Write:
9,12,32
